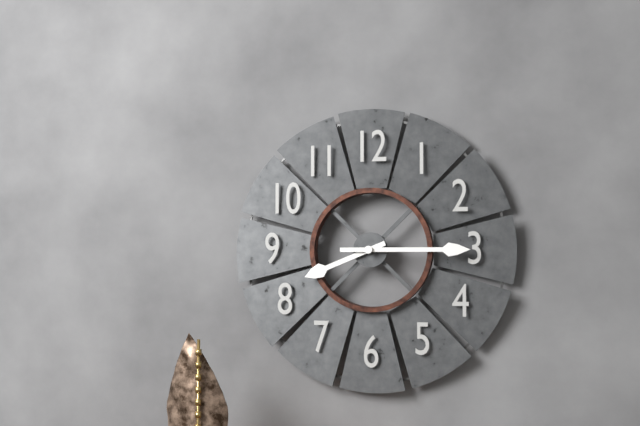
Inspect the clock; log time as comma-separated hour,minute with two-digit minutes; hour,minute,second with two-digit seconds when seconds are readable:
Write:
8,15
